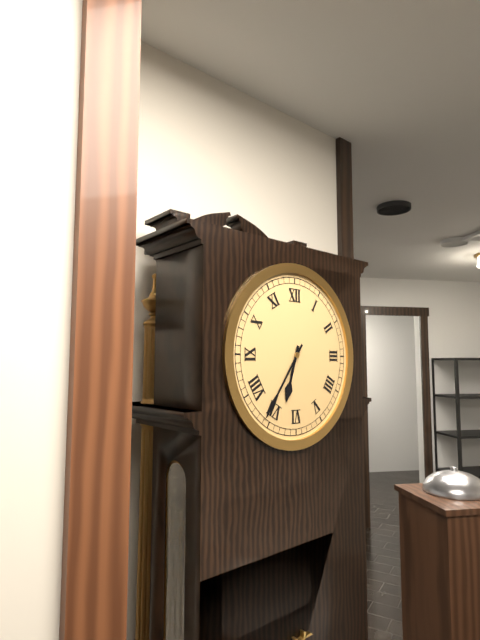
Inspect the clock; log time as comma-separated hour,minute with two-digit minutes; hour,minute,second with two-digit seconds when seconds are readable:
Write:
6,36
